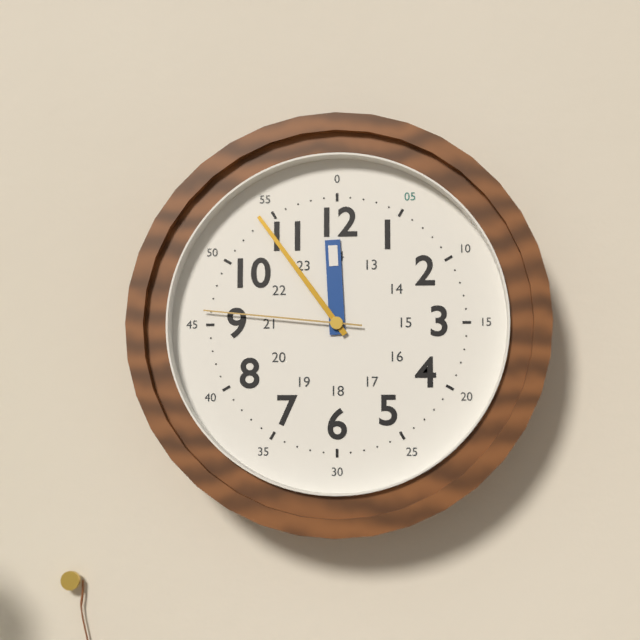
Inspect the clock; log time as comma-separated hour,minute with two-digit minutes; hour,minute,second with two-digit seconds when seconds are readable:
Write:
11,54,46
